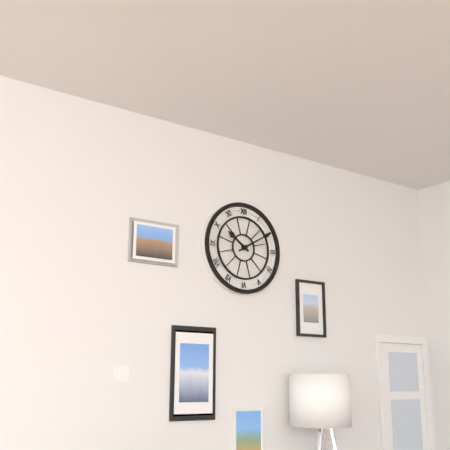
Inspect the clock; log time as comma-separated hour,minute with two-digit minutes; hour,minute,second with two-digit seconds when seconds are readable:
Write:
10,10
